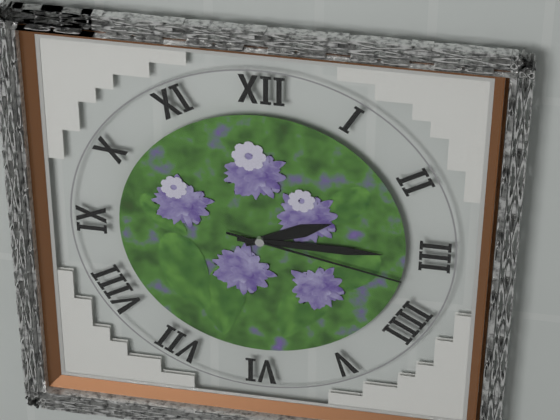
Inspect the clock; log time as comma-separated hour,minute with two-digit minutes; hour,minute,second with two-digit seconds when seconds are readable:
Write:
2,15,17
